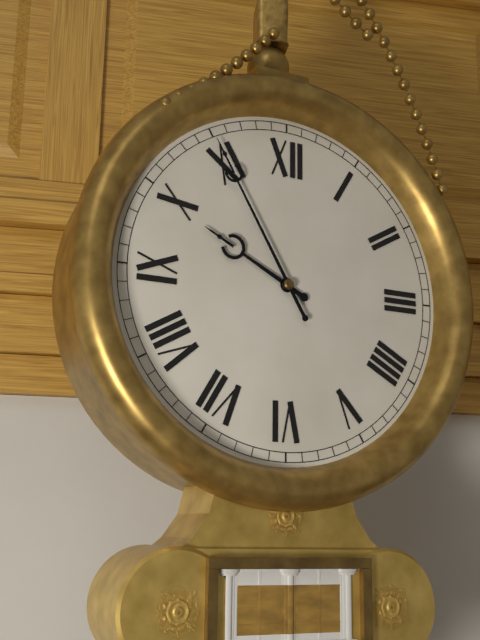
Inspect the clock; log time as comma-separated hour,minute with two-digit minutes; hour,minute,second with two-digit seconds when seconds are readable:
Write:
9,55
